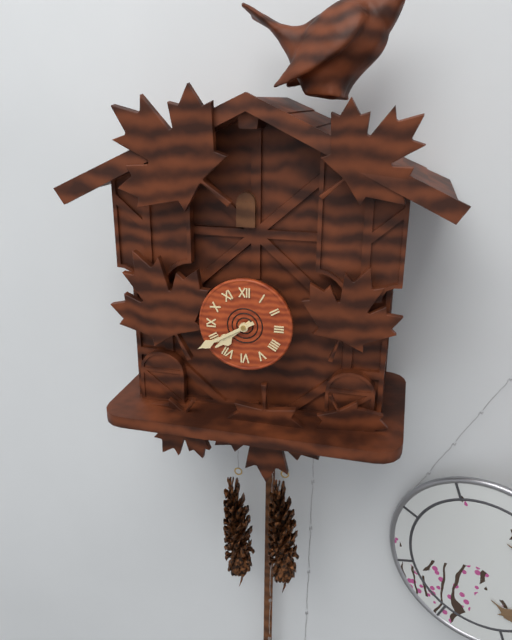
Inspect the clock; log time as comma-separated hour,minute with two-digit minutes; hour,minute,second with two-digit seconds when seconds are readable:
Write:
7,40
